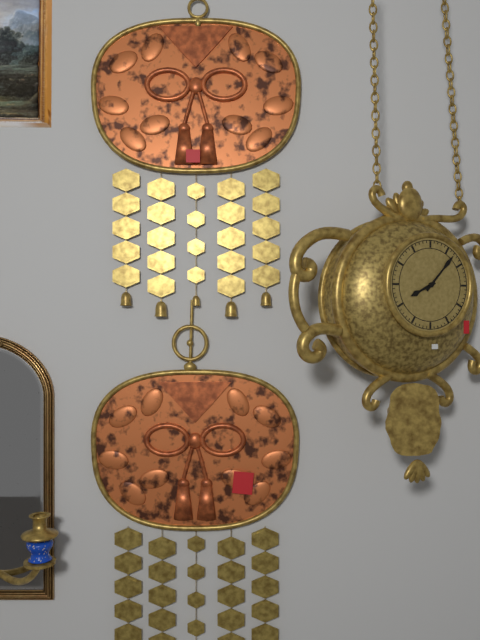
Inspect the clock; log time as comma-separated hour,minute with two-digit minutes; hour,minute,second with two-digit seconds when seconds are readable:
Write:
8,07
